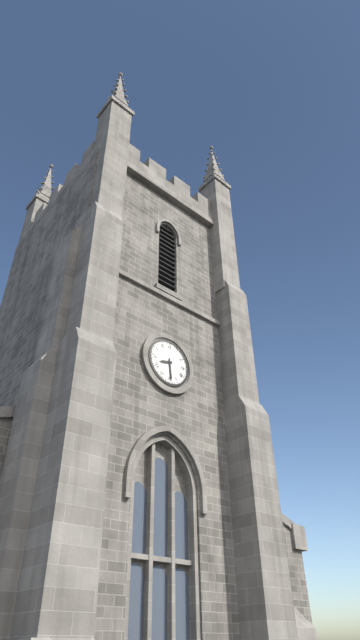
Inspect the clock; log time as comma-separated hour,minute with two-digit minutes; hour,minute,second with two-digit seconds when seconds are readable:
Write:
8,29
